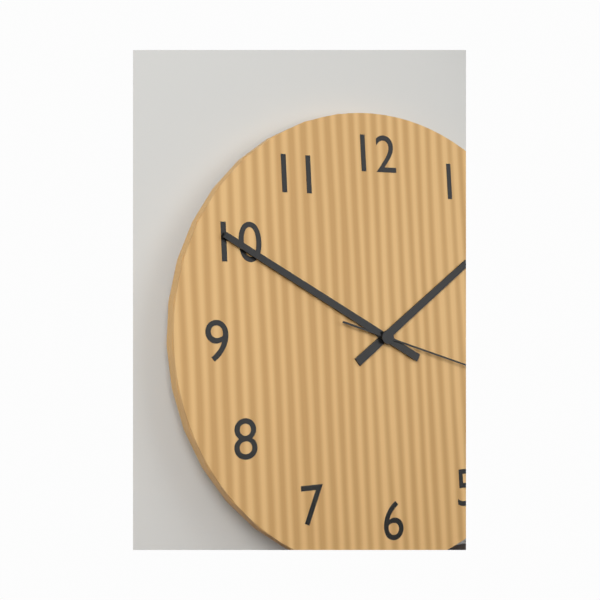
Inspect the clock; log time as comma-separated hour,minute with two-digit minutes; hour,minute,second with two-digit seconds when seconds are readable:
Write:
1,50,18
